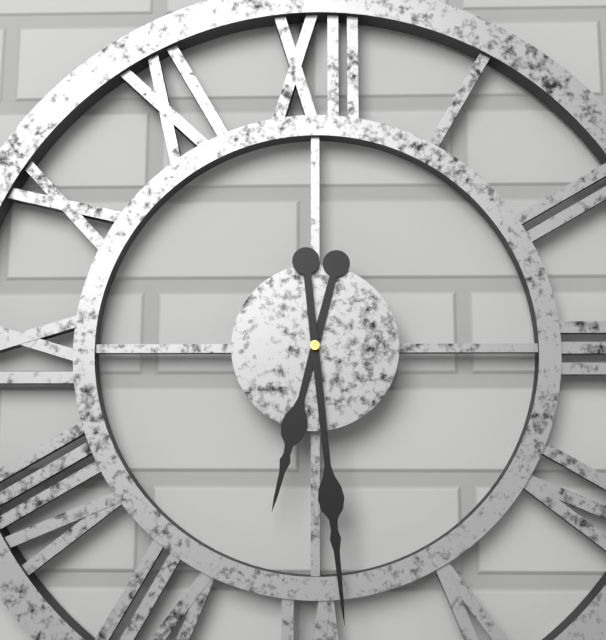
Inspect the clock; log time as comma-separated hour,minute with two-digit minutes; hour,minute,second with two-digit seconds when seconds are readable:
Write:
6,29
